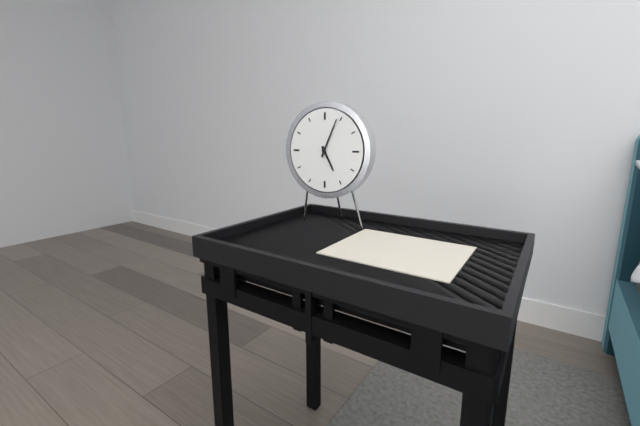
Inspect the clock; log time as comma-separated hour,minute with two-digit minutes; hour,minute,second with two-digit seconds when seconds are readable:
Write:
5,04
